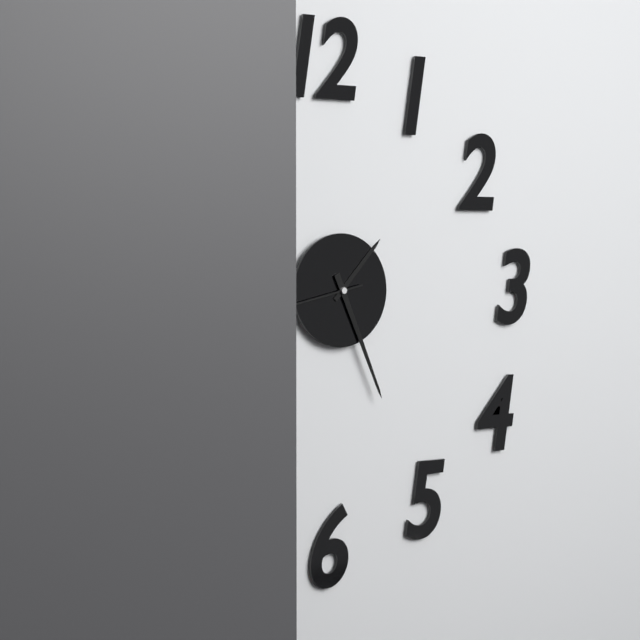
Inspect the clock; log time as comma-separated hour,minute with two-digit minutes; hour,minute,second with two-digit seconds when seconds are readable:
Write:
1,26
